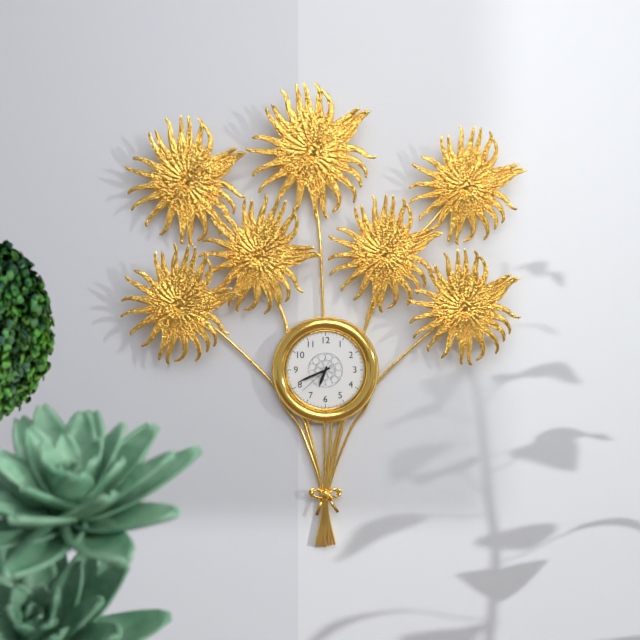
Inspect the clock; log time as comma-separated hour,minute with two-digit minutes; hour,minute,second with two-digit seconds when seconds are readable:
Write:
6,41
